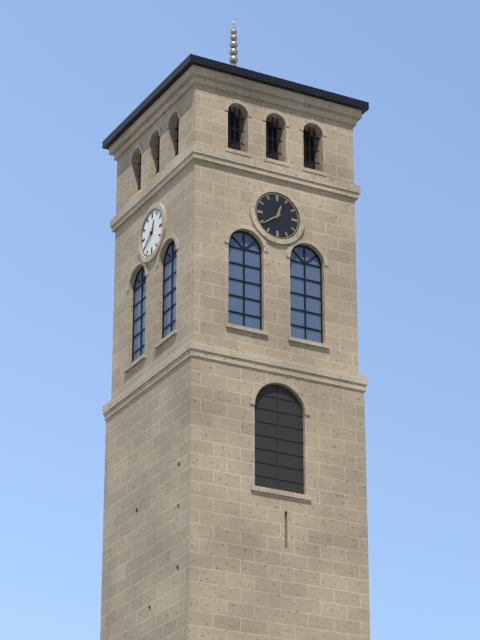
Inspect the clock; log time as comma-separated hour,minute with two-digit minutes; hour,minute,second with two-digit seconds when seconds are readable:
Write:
12,39
